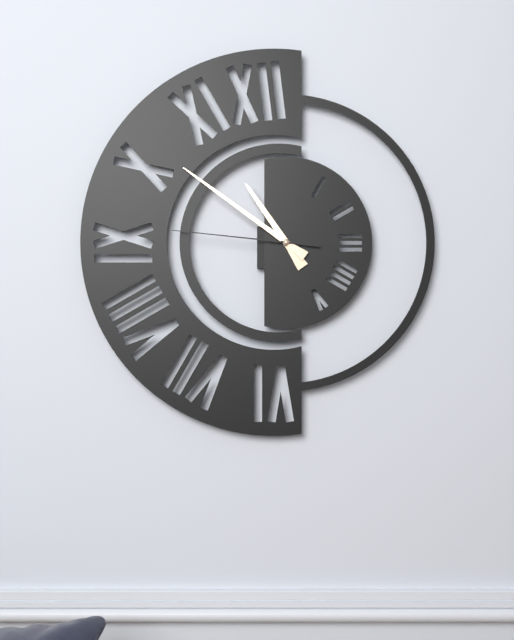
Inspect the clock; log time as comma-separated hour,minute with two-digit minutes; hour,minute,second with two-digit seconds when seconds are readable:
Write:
10,51,46
